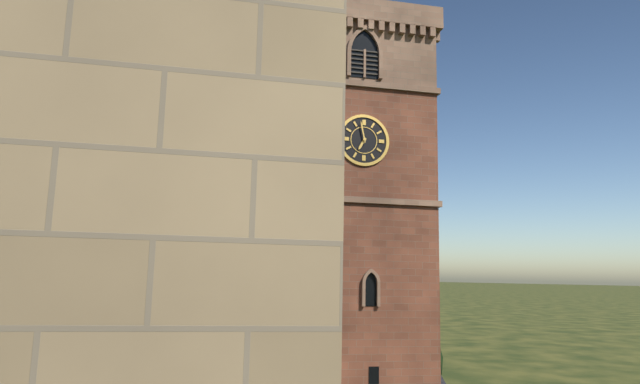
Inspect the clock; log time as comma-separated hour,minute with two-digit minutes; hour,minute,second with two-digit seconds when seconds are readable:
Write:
6,58
